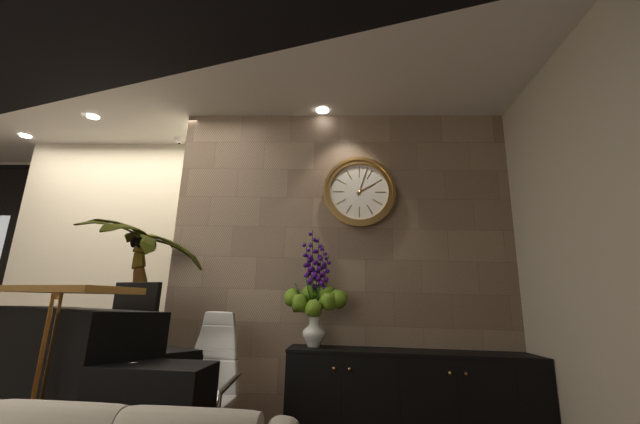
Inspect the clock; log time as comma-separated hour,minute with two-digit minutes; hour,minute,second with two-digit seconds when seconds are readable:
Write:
2,03
